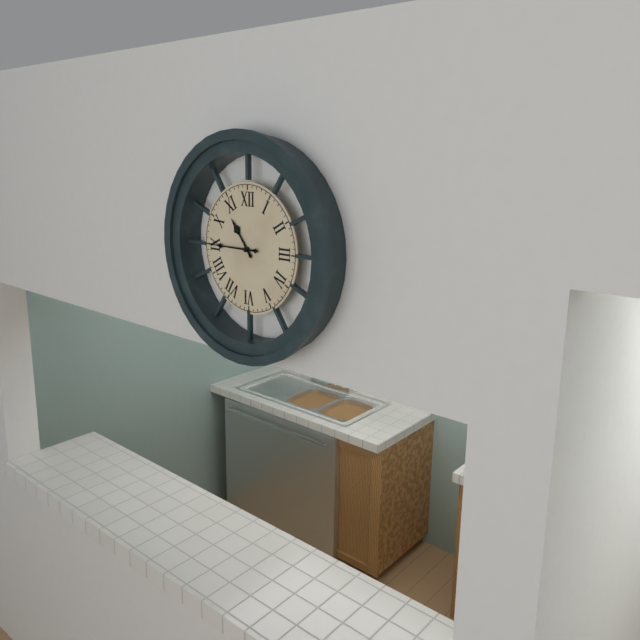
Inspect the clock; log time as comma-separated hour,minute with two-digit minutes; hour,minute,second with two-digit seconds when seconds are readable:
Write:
10,45
